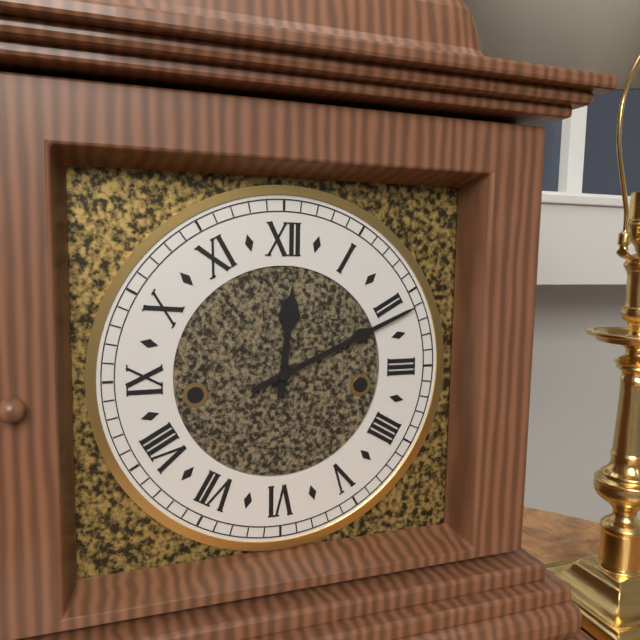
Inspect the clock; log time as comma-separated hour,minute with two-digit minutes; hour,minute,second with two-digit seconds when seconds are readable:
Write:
12,11
